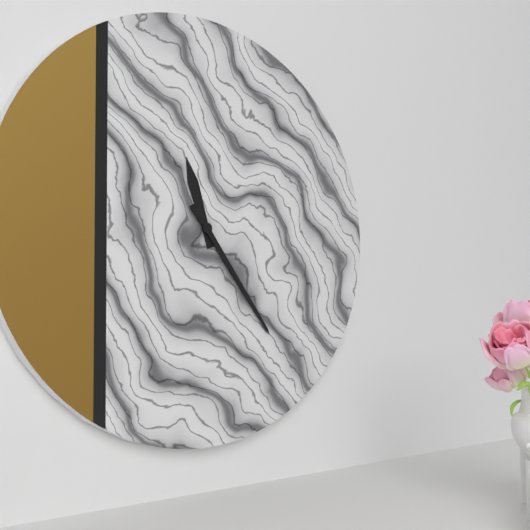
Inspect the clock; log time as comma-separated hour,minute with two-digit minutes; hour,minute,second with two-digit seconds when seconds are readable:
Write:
11,24
